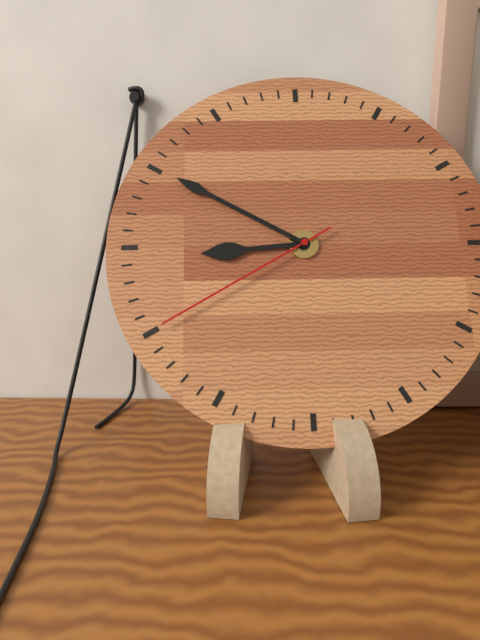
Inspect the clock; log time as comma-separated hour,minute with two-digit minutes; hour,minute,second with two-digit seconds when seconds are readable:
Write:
8,50,40
